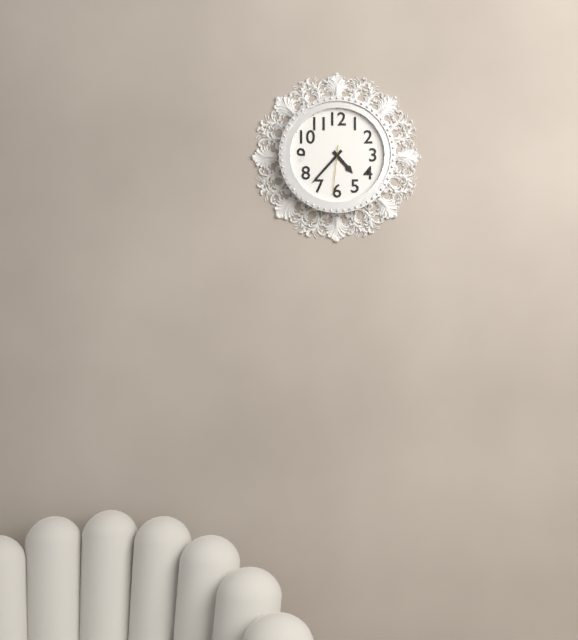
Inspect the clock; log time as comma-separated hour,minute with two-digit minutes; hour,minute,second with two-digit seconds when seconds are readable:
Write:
4,37,31
